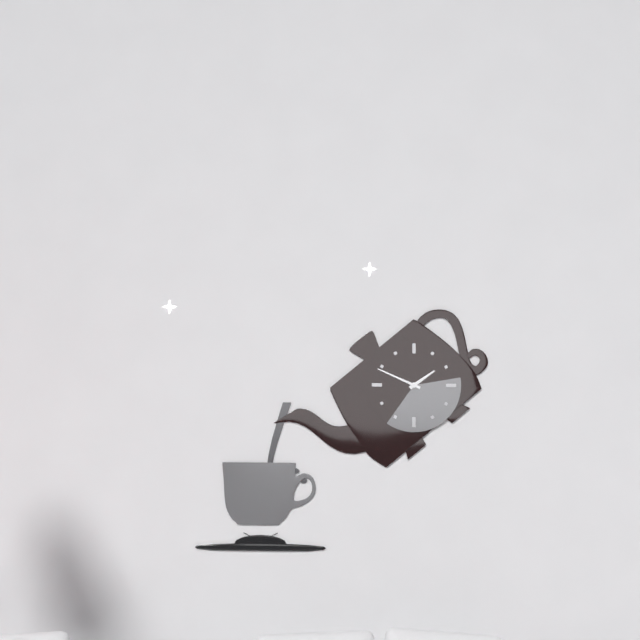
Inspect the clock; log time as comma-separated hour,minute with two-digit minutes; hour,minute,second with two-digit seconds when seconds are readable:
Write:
1,49
